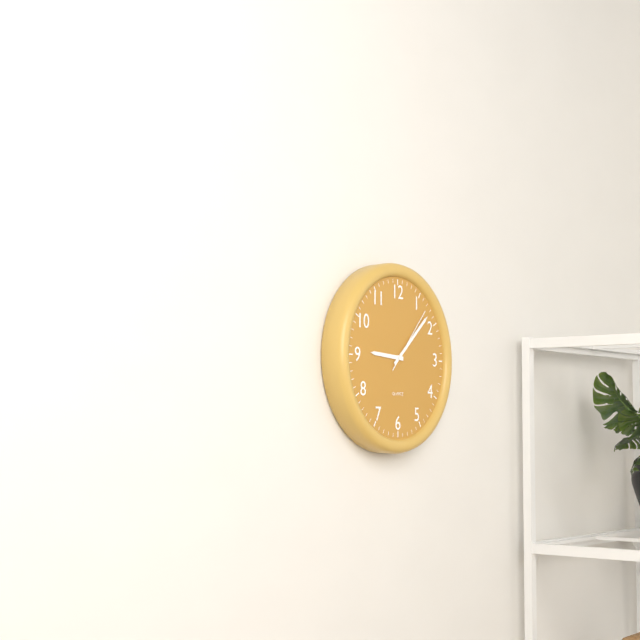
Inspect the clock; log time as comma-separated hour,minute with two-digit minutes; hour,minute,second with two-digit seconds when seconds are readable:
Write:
9,08,07
